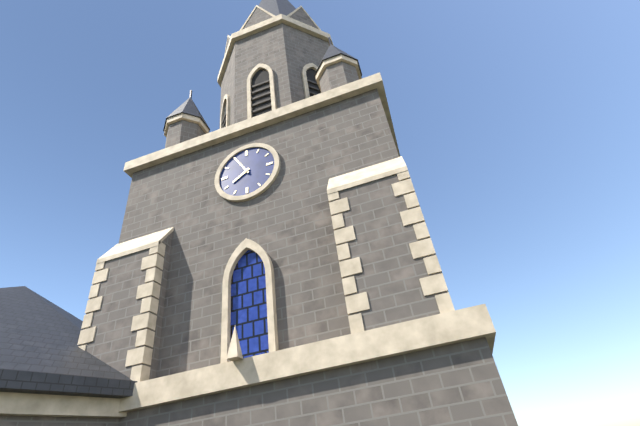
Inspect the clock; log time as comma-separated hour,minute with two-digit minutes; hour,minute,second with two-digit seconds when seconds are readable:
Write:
7,55
